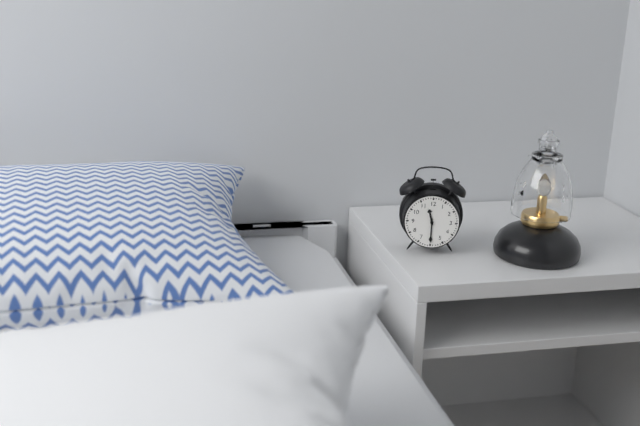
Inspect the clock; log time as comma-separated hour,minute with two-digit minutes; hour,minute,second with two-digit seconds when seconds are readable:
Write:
11,30
